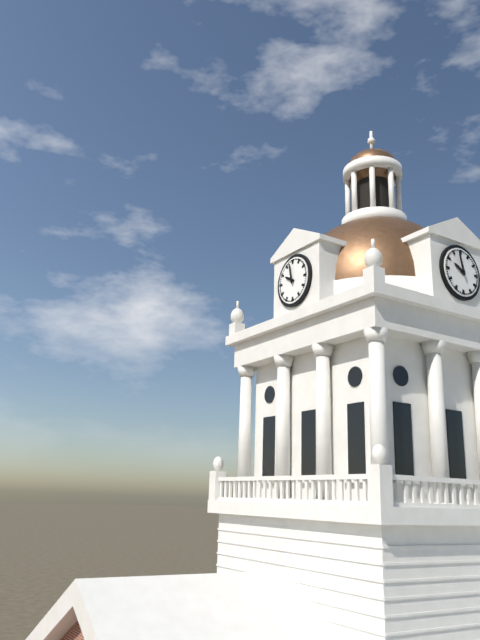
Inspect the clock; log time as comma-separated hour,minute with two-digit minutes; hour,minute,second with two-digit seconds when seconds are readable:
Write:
9,58
